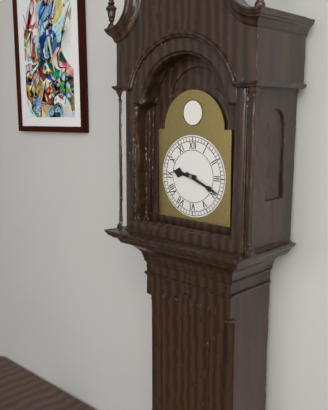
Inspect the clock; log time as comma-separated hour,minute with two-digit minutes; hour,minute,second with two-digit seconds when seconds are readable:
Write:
9,19
